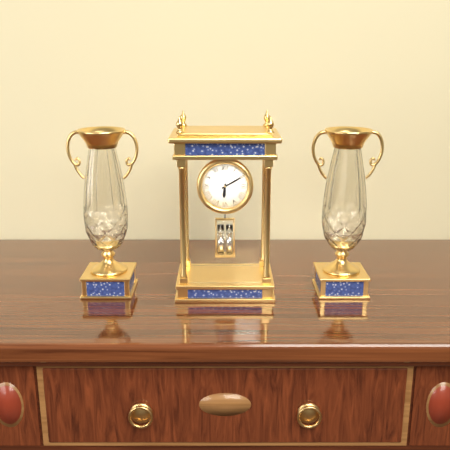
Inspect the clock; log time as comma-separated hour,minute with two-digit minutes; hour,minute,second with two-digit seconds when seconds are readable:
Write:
6,10
